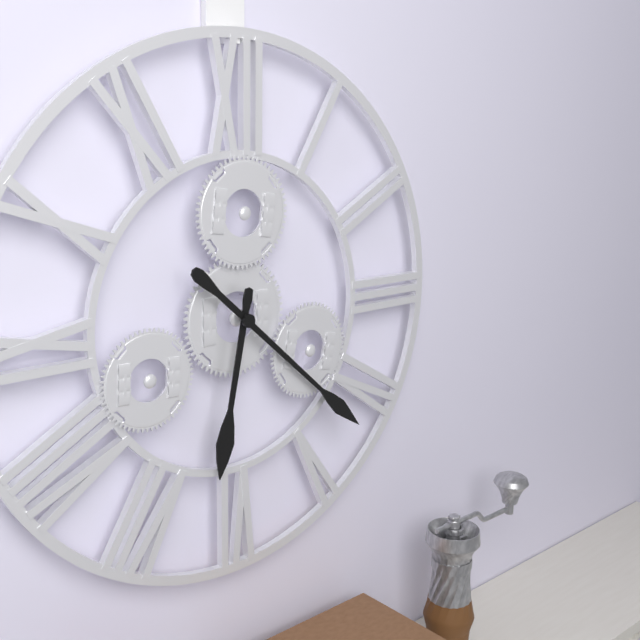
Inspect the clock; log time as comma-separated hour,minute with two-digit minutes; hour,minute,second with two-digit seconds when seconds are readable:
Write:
6,22
